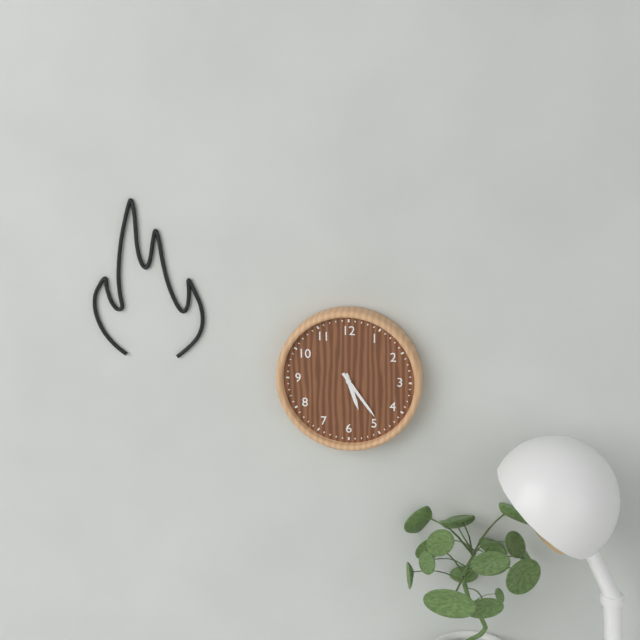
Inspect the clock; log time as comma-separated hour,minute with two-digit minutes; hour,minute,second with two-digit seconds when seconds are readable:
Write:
5,24
